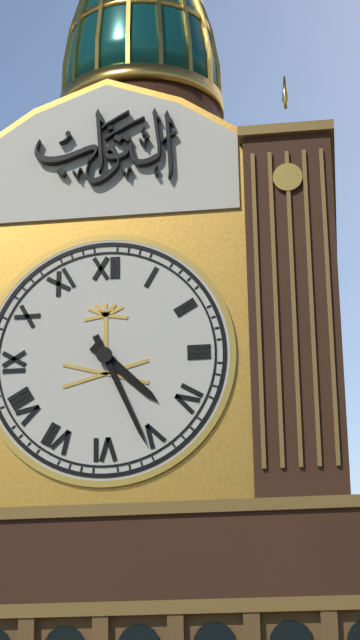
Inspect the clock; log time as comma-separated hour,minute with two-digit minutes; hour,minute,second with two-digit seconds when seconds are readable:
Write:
4,26
